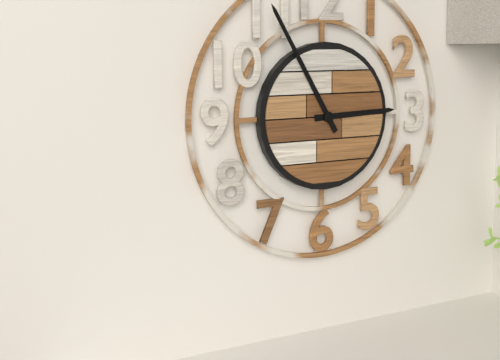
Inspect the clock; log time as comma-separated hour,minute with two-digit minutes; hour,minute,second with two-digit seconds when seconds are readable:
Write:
2,55
